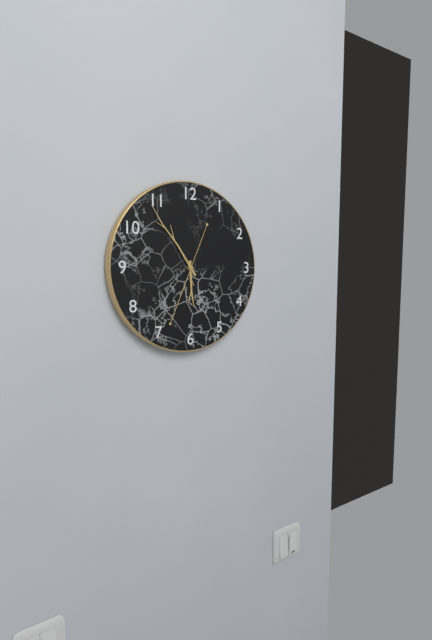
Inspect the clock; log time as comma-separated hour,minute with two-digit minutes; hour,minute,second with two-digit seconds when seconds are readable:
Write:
5,54,34
